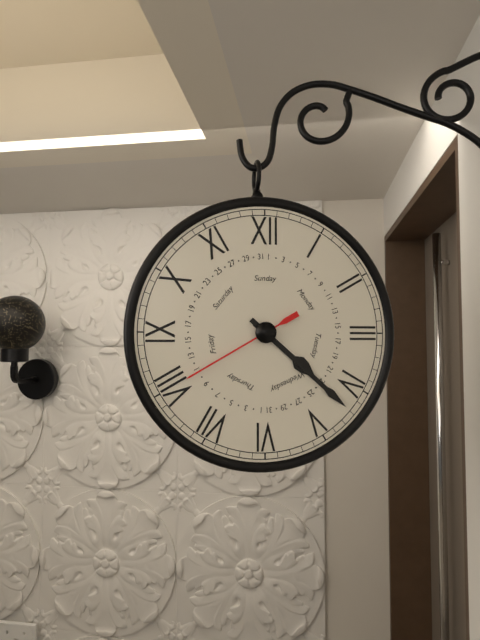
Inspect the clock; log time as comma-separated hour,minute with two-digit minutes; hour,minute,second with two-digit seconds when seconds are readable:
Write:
4,22,40
